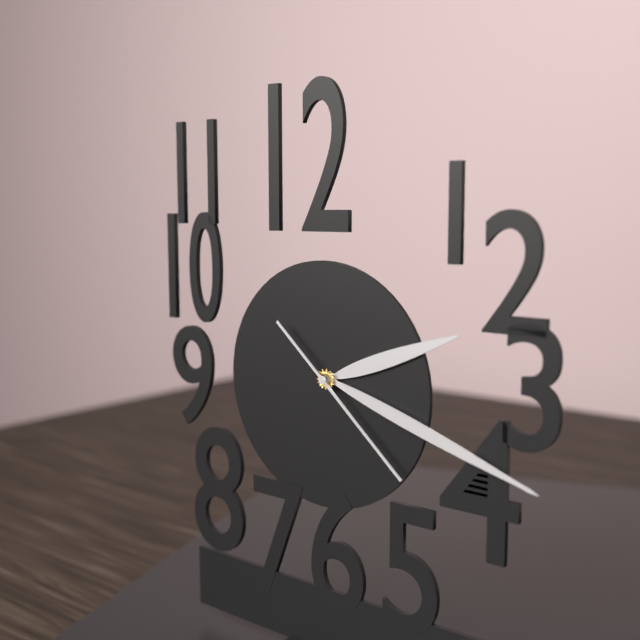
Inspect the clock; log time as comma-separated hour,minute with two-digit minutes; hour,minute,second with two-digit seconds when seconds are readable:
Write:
2,18,22
